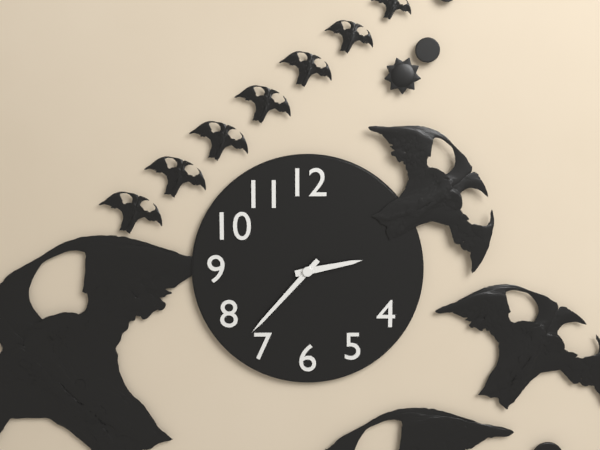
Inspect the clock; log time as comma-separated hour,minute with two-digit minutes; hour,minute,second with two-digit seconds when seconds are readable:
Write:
2,37
